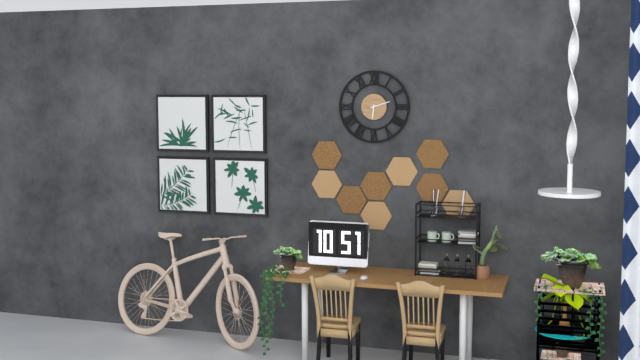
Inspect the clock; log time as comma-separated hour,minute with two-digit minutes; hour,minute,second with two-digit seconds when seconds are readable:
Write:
6,12
